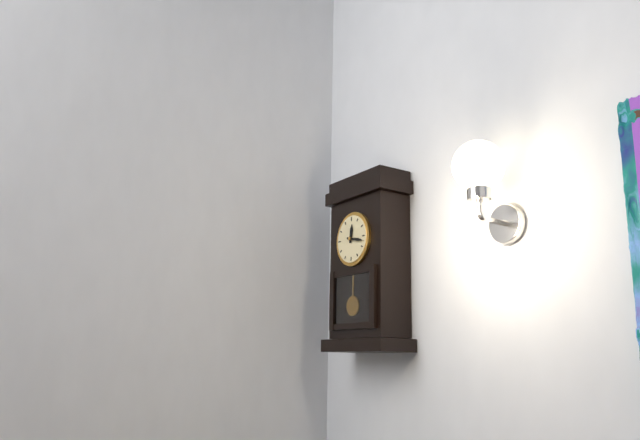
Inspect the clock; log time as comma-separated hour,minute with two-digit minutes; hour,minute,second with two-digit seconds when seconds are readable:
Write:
12,17
